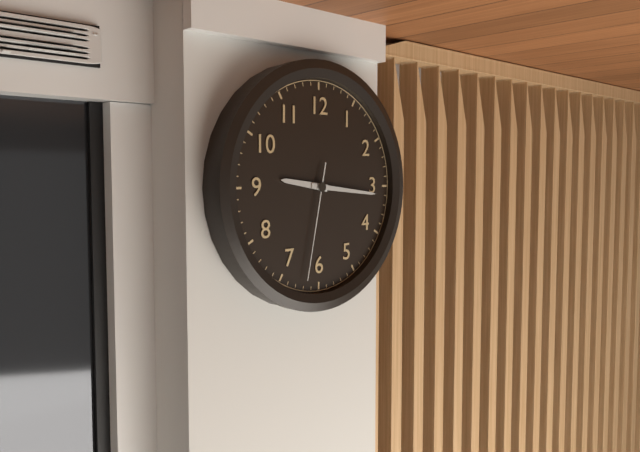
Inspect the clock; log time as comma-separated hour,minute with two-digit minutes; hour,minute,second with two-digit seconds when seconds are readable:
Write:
9,16,32
